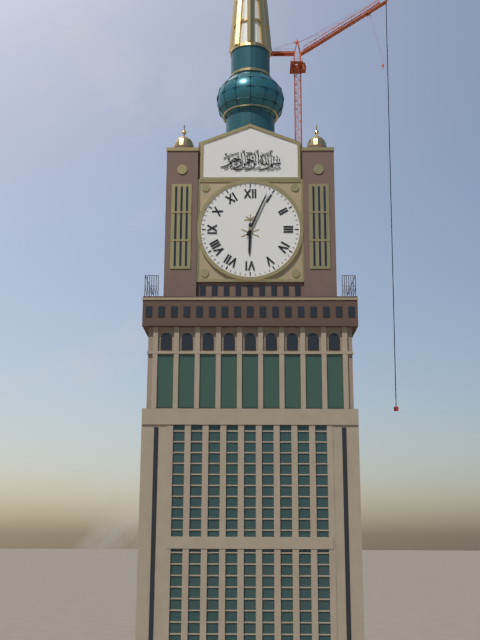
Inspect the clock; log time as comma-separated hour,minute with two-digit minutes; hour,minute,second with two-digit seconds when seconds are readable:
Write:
6,04
